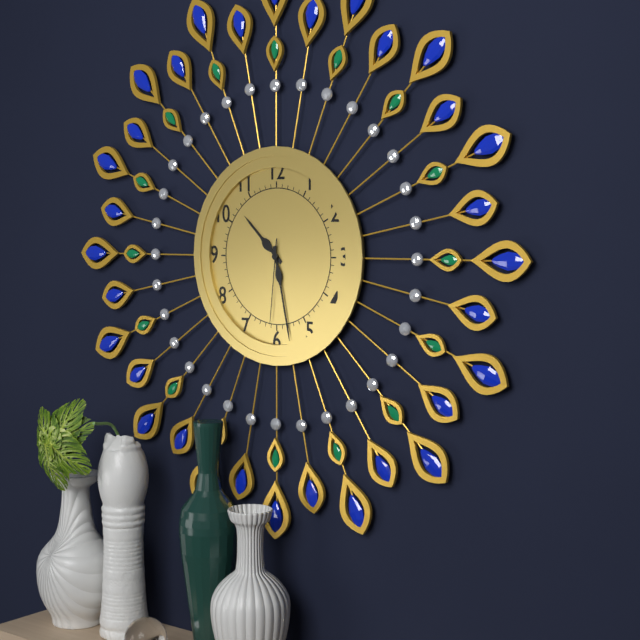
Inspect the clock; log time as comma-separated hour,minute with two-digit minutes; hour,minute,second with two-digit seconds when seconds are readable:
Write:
10,28,31
